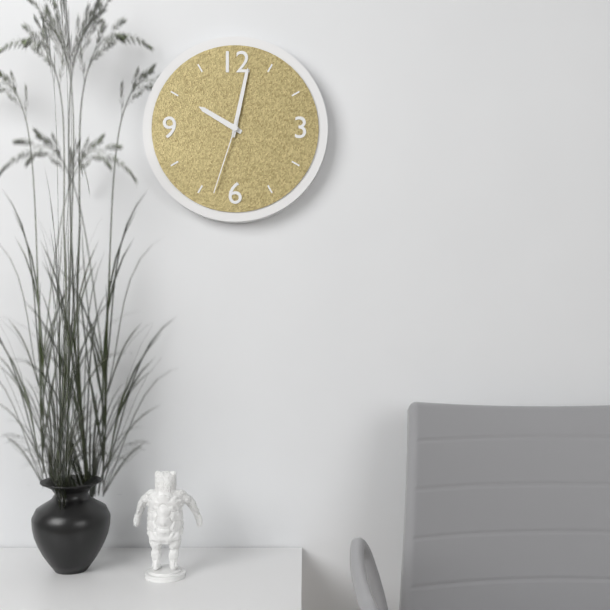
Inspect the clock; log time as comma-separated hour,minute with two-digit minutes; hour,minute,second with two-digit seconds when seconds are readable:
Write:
10,02,33
